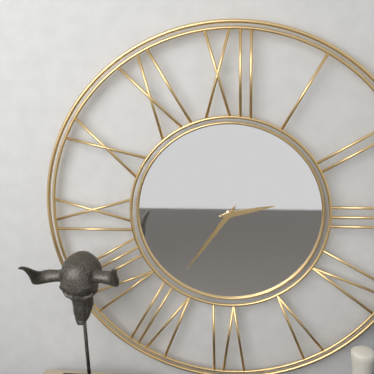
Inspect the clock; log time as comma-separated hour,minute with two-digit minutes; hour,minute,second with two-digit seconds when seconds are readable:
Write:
2,36
